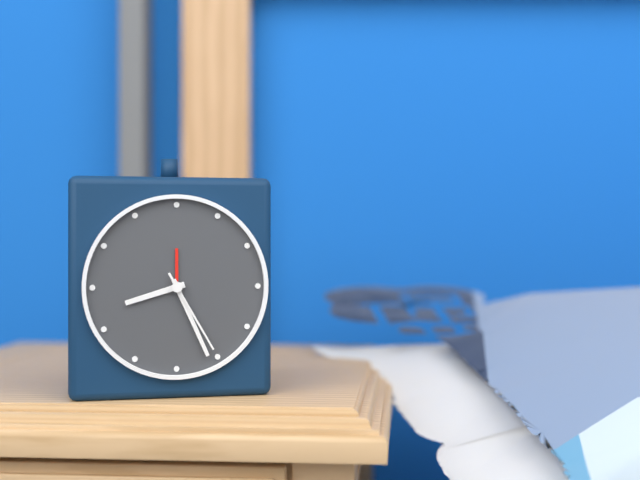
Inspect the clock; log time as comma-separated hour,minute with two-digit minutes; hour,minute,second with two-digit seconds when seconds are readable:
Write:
8,26,25
